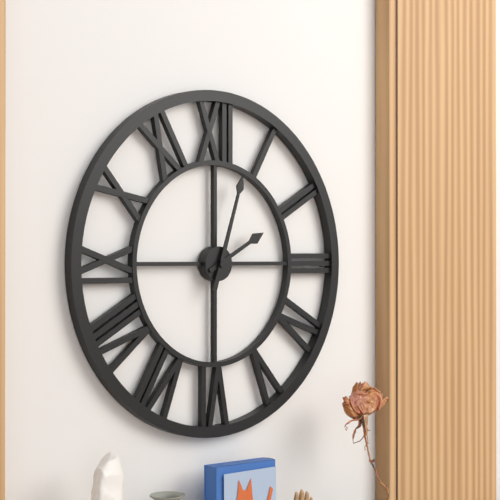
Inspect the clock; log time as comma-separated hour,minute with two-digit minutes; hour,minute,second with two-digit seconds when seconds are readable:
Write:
2,03
